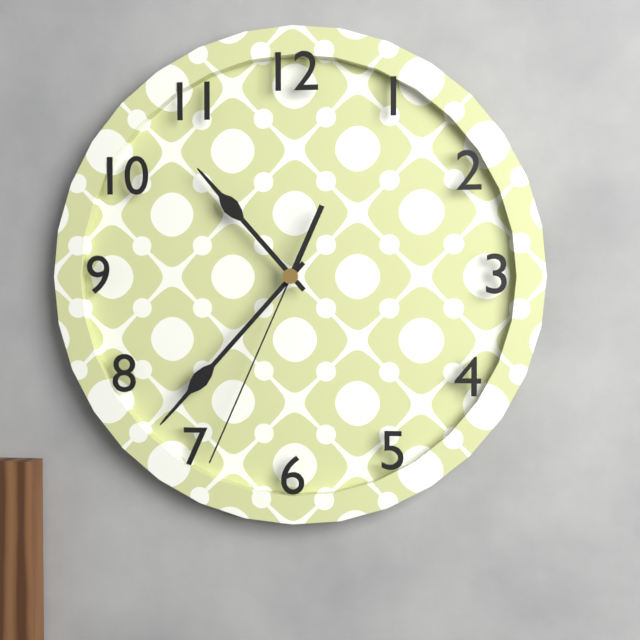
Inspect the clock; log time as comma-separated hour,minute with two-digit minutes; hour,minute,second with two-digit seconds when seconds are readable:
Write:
10,37,34
